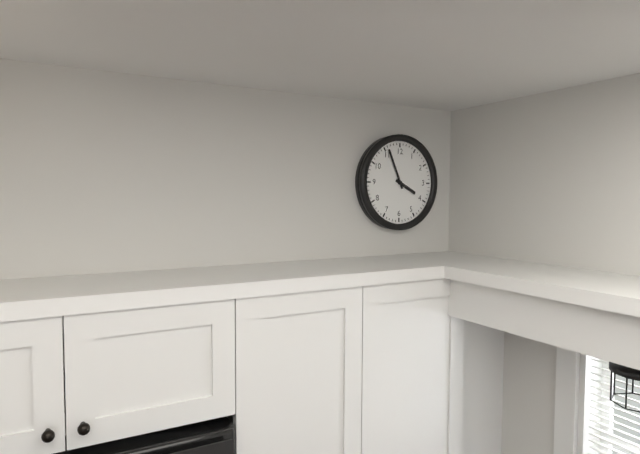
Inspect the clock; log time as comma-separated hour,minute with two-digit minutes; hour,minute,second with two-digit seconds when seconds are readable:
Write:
3,56
